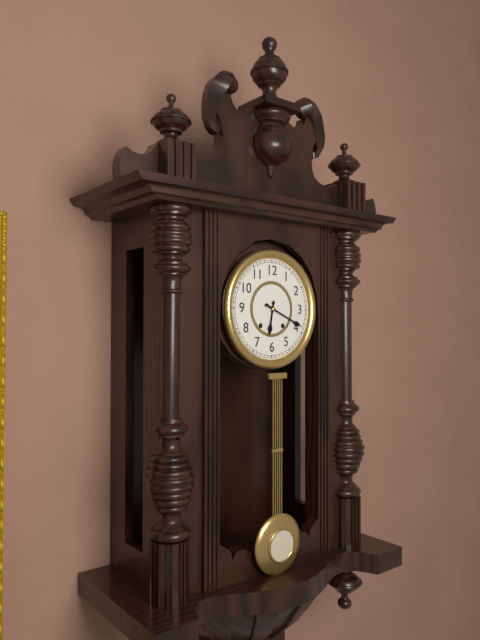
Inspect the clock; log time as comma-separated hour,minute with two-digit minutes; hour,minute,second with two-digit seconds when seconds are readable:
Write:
6,19
